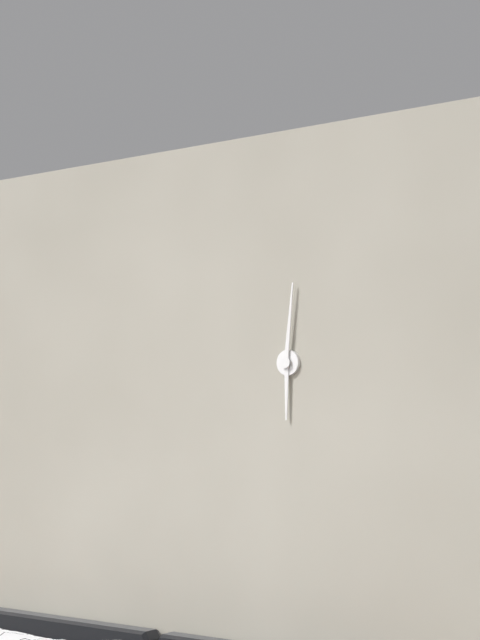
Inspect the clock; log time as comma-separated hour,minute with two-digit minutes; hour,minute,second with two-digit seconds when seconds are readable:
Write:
6,01
